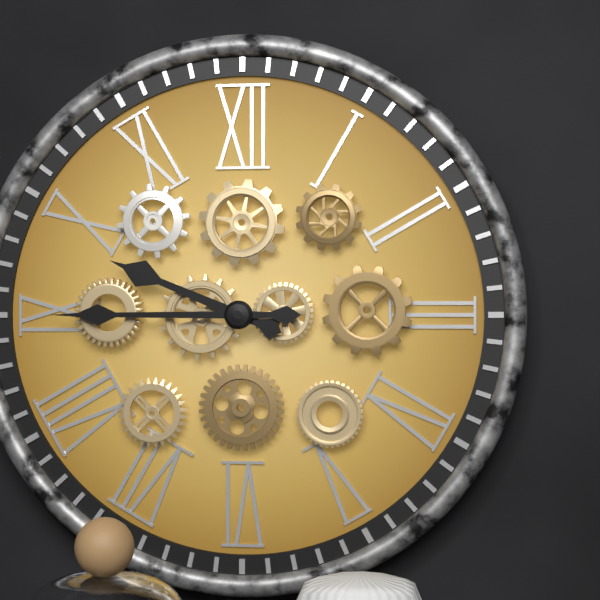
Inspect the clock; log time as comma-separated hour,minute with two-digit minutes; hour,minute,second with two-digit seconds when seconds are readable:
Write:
9,45
